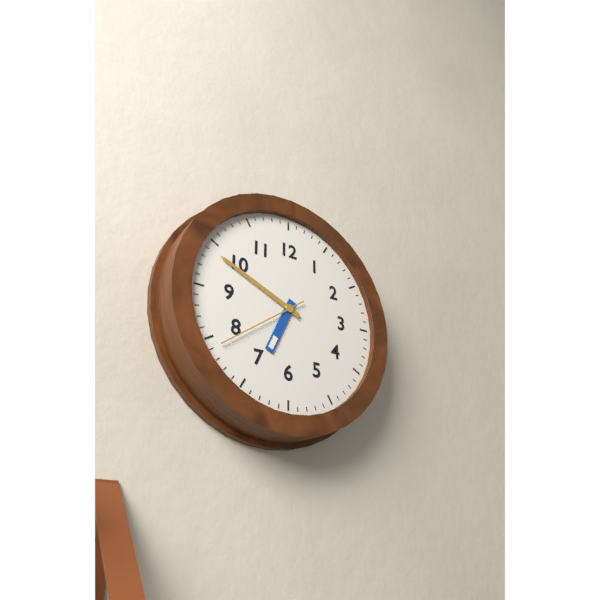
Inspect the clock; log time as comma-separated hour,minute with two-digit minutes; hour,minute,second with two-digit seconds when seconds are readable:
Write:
6,49,39
